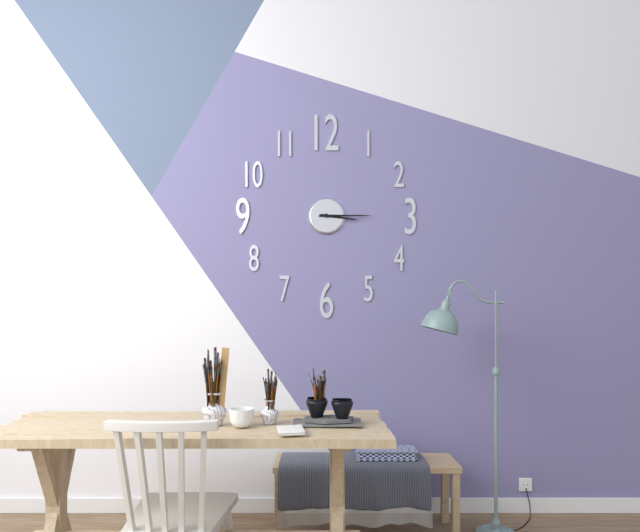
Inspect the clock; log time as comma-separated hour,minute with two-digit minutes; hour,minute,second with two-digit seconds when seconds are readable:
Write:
3,15
